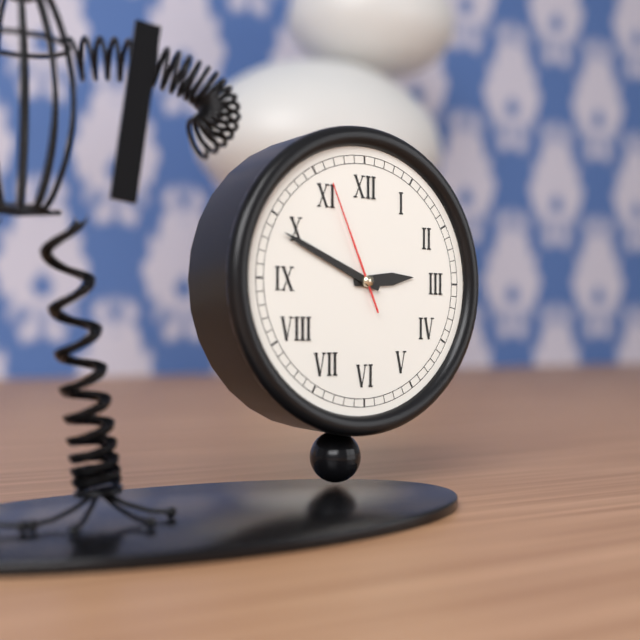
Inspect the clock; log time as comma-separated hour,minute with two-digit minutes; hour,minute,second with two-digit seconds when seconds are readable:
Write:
2,49,56
